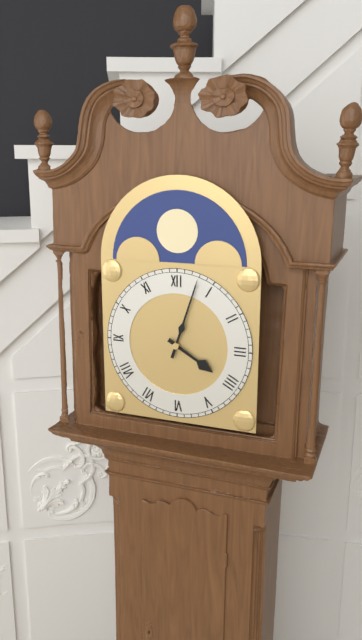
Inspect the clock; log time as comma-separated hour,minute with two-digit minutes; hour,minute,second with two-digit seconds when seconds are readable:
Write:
4,03
